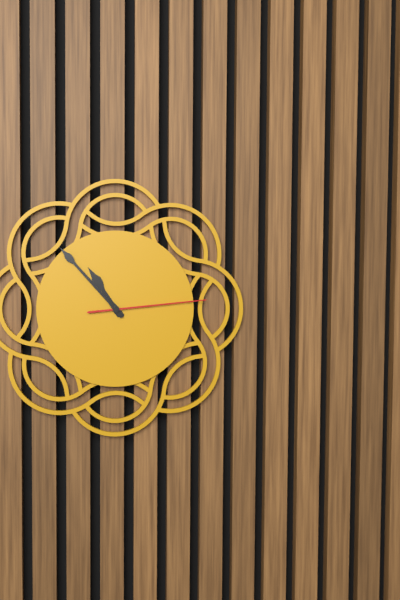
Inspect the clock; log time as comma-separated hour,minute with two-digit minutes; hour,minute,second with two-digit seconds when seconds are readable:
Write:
10,53,14
